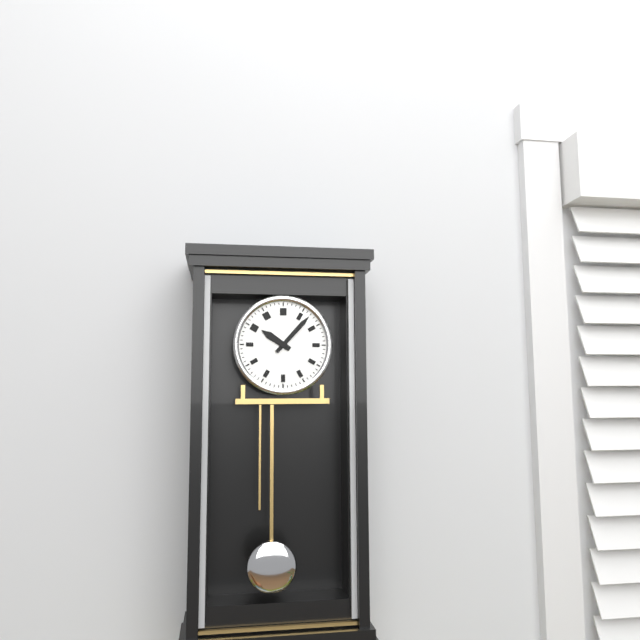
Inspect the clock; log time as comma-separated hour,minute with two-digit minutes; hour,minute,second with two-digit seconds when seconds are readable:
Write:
10,07
